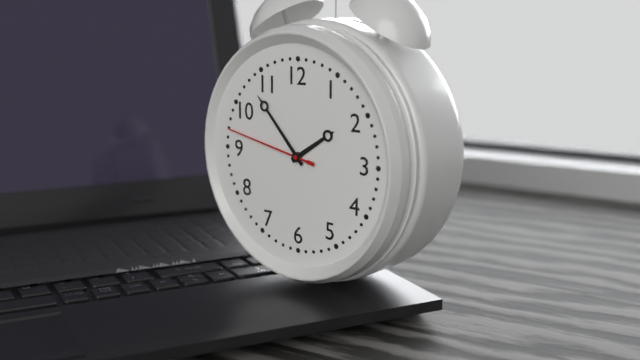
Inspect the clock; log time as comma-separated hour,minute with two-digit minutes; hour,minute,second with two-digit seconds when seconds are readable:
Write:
1,53,47
